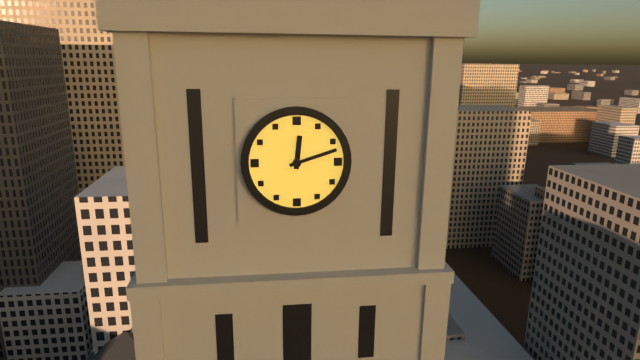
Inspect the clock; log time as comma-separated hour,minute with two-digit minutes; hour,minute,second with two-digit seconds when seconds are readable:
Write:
12,12
